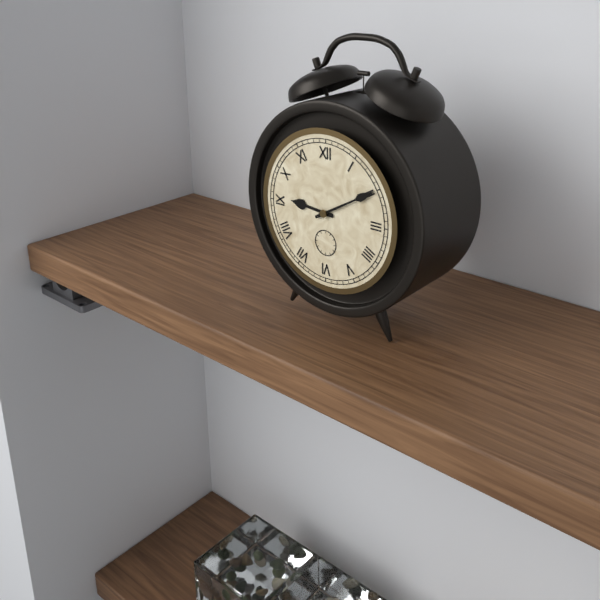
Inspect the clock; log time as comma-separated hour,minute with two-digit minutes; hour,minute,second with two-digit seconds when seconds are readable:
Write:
9,10
